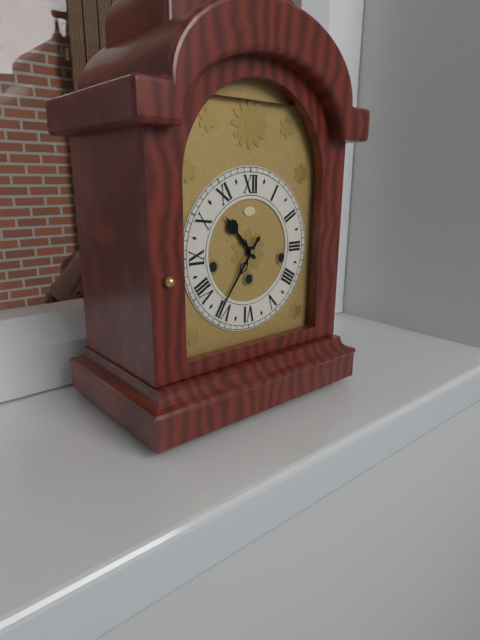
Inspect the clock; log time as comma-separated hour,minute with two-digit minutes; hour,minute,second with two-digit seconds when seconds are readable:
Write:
10,36
